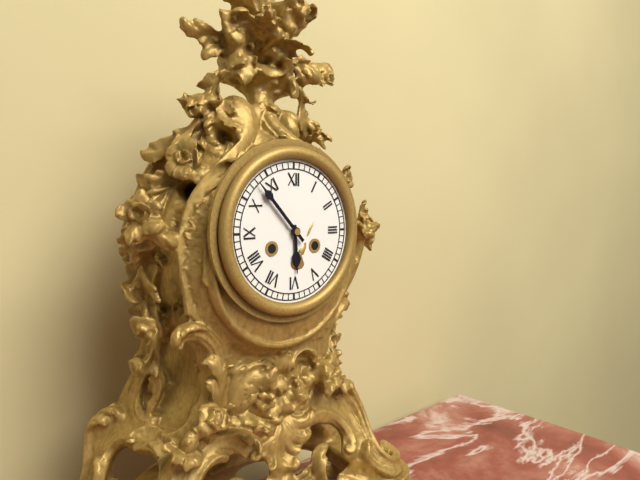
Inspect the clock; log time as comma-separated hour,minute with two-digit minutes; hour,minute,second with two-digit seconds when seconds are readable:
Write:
5,53
